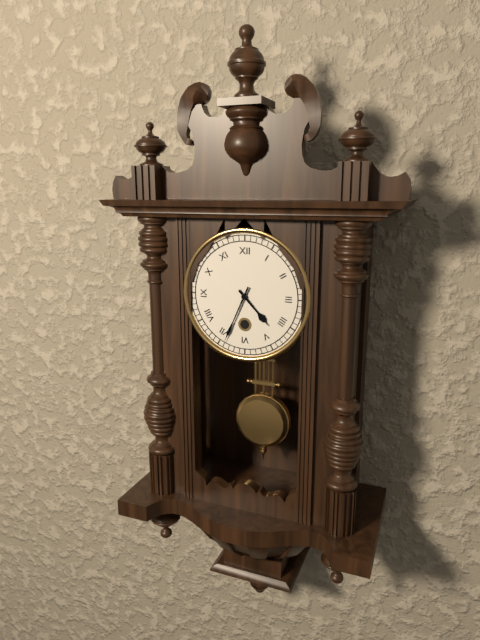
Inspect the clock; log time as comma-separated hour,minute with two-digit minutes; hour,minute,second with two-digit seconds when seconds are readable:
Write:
4,34
